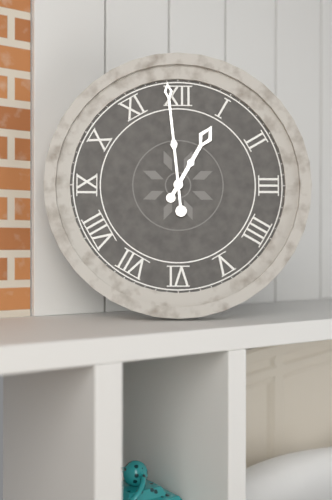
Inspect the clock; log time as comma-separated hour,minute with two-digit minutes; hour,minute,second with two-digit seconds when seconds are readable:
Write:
12,59
